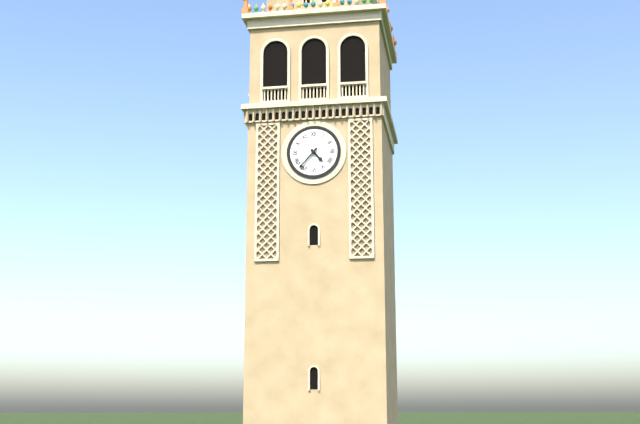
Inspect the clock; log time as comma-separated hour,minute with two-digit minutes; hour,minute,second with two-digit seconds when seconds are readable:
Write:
4,37
